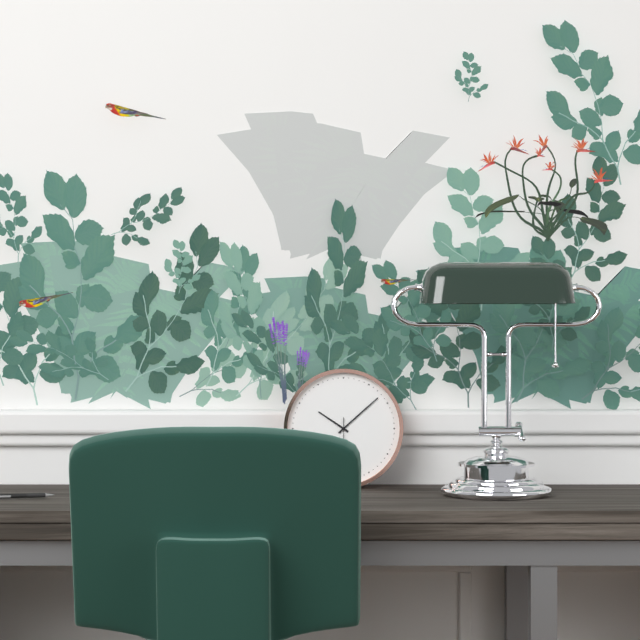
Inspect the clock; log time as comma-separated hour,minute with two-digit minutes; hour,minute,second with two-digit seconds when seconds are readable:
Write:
10,08
